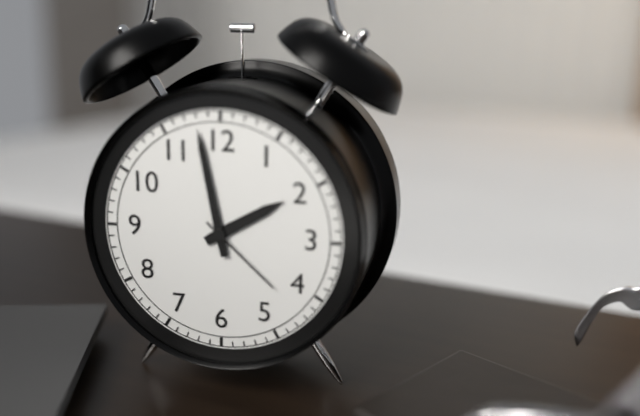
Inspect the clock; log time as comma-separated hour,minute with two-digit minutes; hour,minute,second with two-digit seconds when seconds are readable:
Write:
1,58,22
